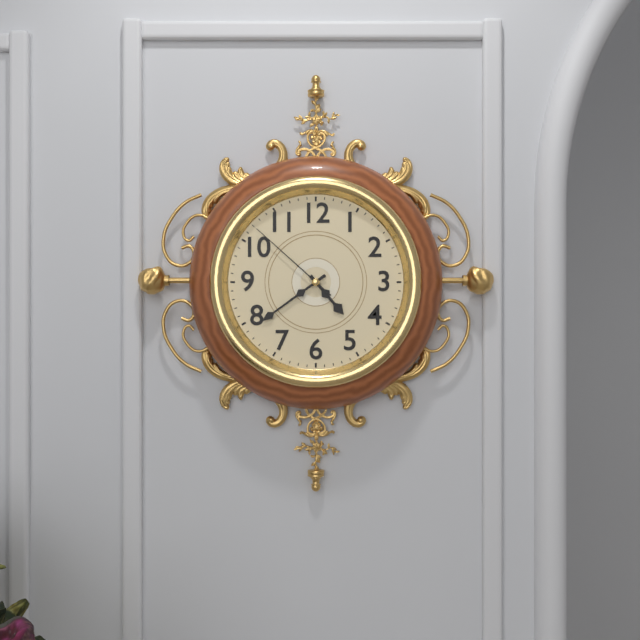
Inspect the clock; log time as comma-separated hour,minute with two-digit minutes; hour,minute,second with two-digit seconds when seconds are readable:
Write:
4,39,52
